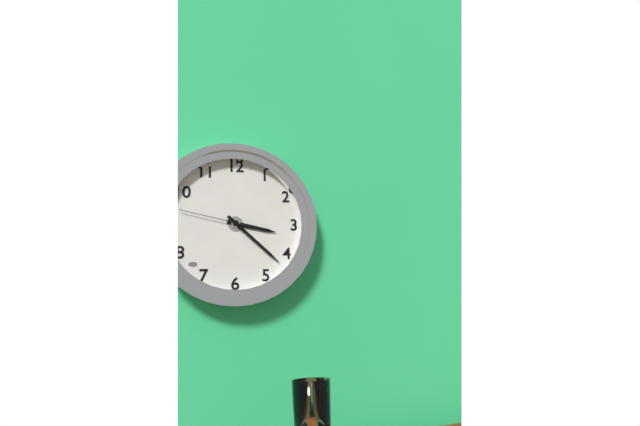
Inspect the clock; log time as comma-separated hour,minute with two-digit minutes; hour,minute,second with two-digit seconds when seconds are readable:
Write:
3,22,47
